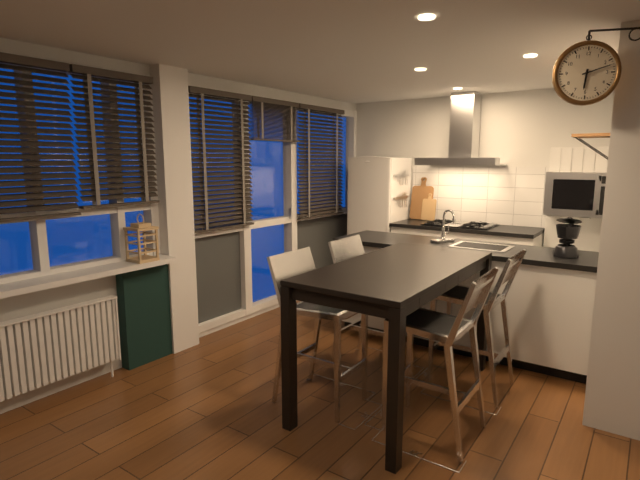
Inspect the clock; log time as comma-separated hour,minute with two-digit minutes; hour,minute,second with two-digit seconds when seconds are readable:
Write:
6,12
